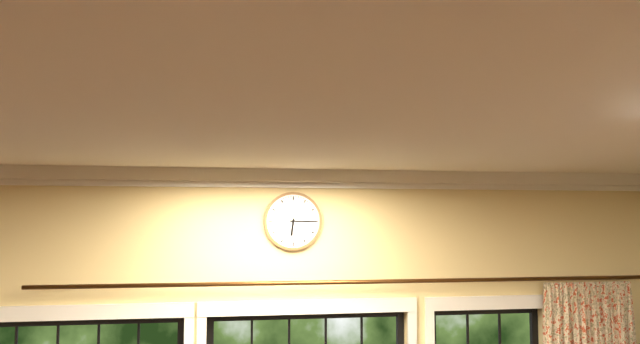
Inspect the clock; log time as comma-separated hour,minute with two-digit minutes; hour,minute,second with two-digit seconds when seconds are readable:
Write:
6,15
